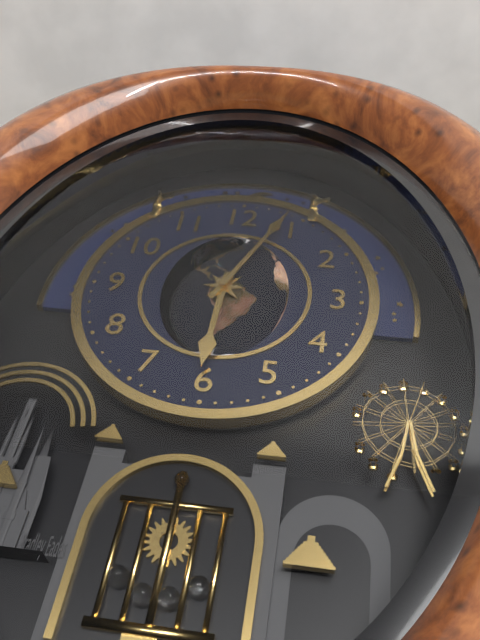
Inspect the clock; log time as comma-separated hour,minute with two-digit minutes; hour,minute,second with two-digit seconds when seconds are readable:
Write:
6,04
